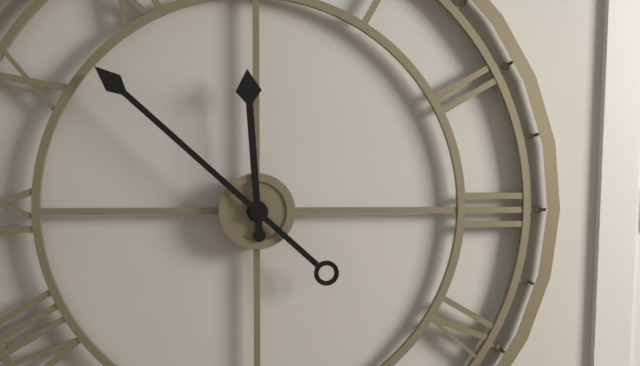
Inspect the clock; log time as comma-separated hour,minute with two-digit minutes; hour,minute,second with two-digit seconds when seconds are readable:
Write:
11,52
